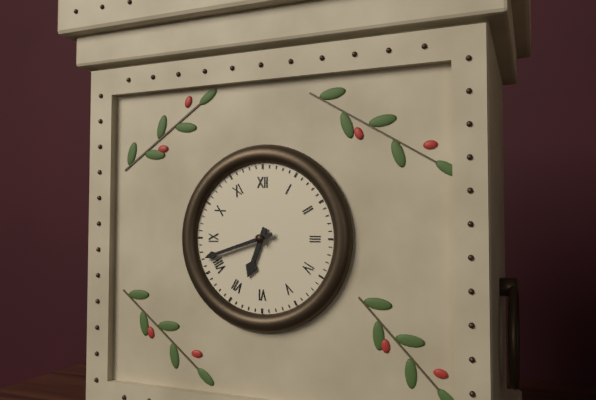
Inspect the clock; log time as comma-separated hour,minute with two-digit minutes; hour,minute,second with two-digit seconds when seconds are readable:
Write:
6,42
